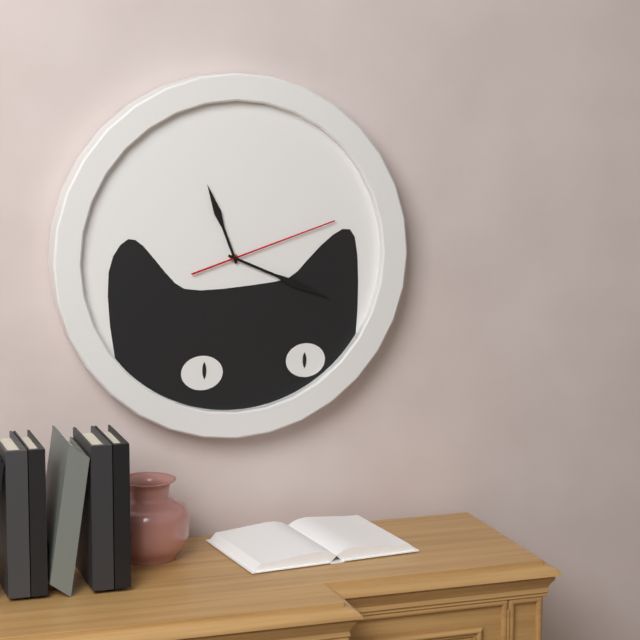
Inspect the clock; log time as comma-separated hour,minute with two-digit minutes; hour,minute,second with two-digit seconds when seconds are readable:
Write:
11,19,12
